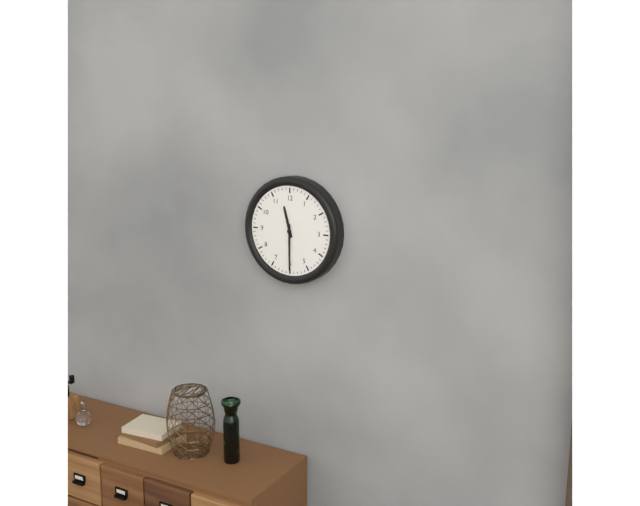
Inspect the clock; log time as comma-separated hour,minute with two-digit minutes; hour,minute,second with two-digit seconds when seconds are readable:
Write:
11,30
